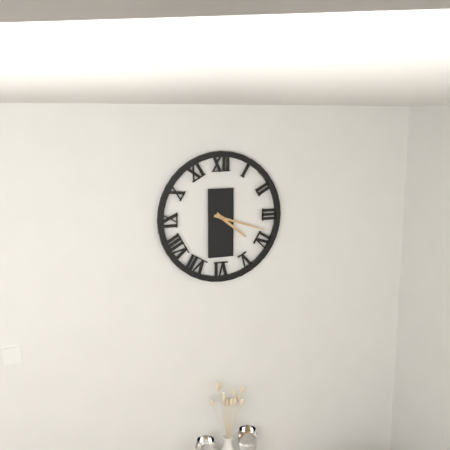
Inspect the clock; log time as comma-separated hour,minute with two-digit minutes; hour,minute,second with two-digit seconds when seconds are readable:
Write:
4,18
